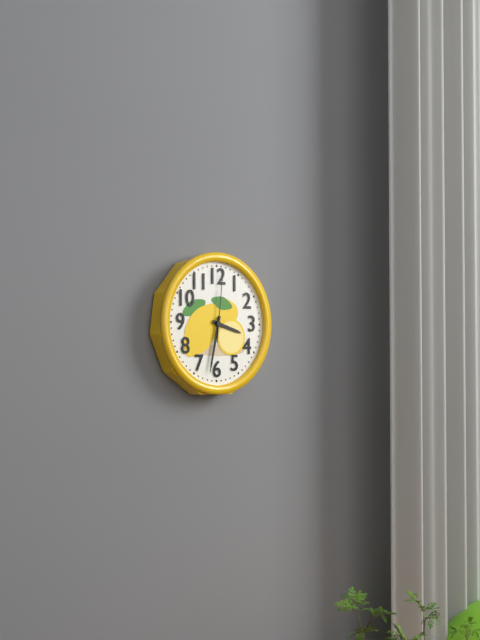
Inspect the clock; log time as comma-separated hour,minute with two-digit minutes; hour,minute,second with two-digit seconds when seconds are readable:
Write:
3,32,01
